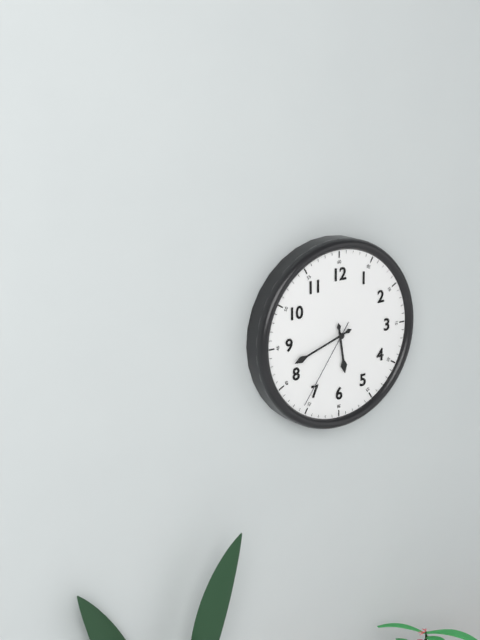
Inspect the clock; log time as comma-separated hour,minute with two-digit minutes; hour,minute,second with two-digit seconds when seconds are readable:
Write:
5,42,36
